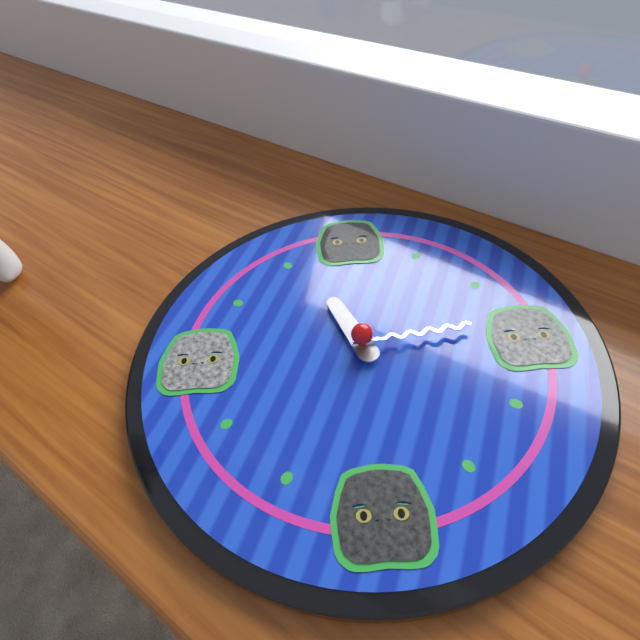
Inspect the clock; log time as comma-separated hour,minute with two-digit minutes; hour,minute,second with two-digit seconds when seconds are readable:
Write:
11,14
